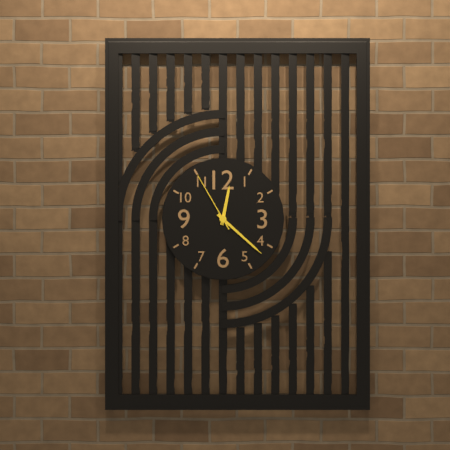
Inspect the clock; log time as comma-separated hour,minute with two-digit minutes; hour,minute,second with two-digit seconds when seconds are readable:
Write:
12,22,55
